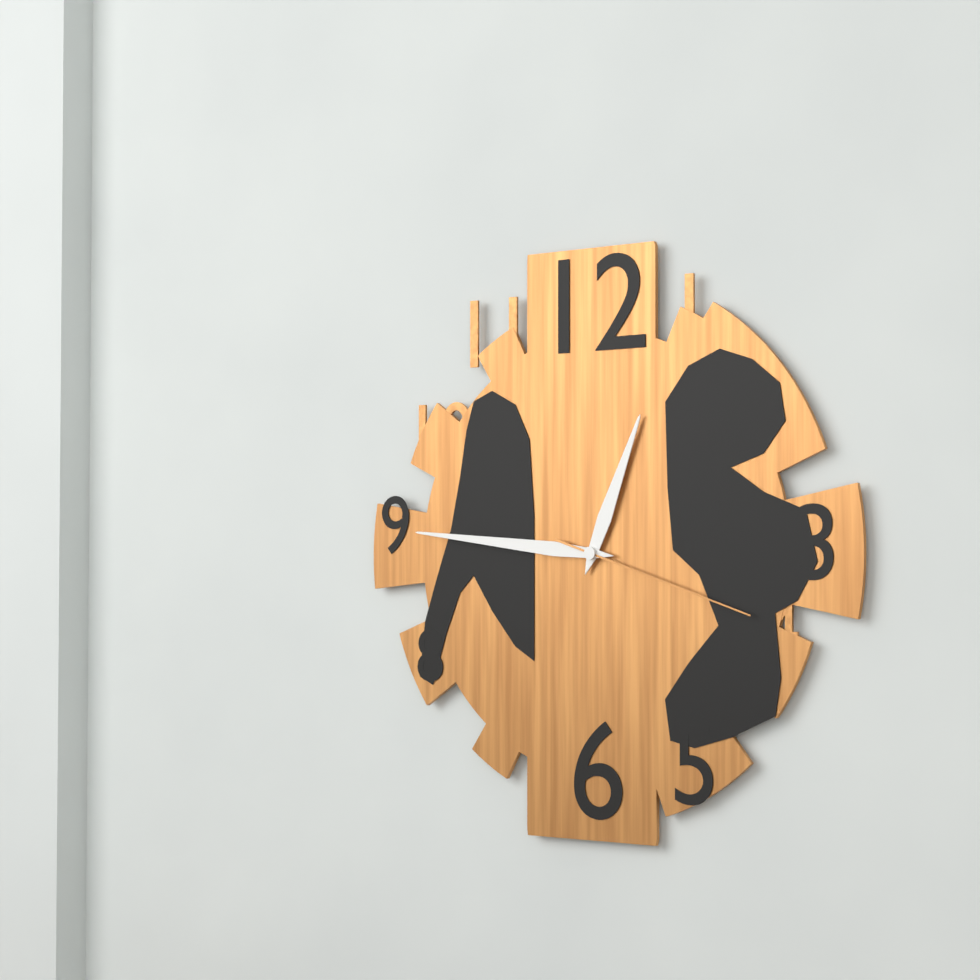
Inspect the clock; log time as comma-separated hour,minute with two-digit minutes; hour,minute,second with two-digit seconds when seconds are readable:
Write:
12,46,18
